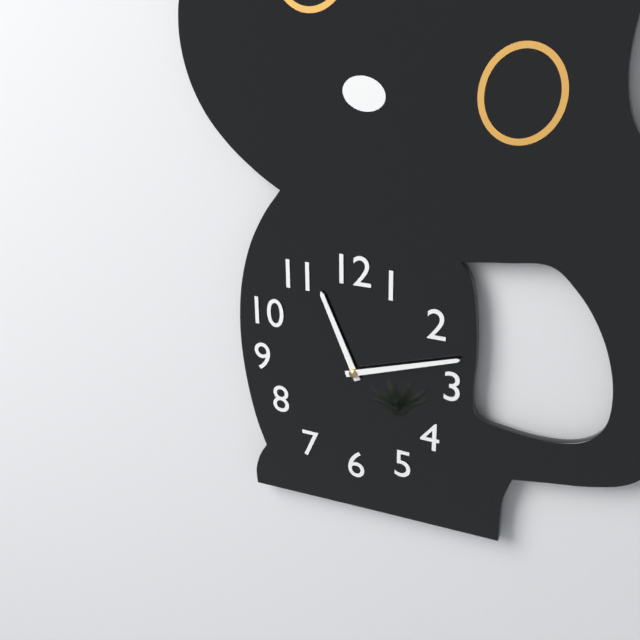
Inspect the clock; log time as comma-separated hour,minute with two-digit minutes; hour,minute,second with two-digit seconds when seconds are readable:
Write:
11,12
